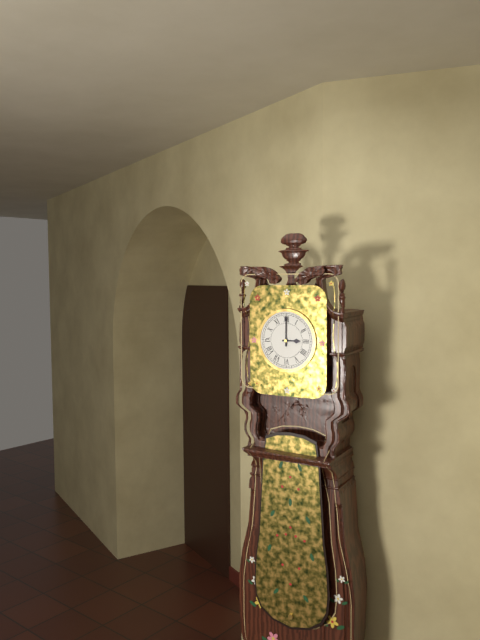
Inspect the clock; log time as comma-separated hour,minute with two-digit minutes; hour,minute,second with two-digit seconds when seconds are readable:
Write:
3,00
